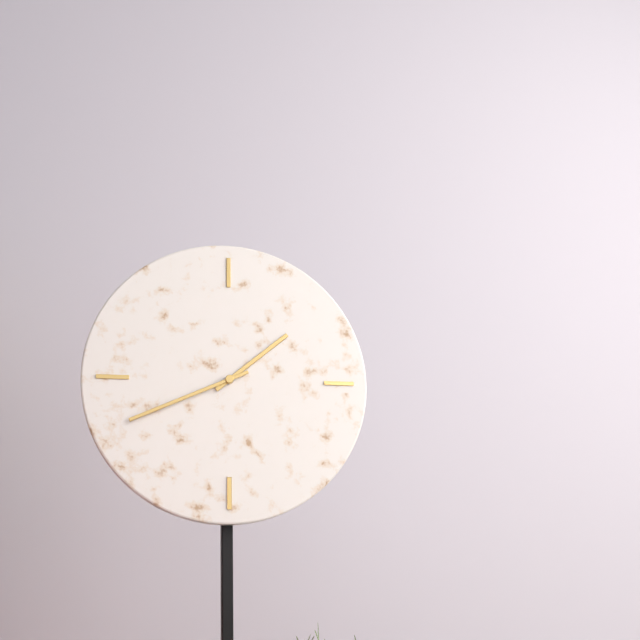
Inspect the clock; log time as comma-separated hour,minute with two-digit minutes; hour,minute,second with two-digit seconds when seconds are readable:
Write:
1,41
